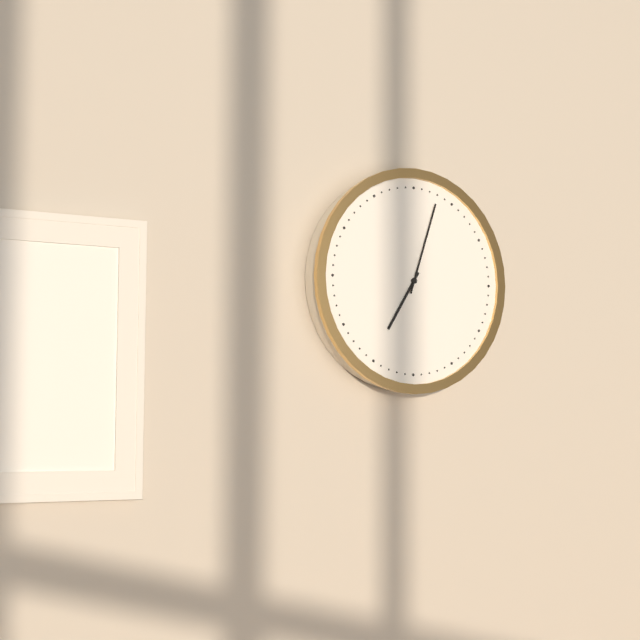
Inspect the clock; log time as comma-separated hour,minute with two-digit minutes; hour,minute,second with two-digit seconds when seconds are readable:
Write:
7,03
